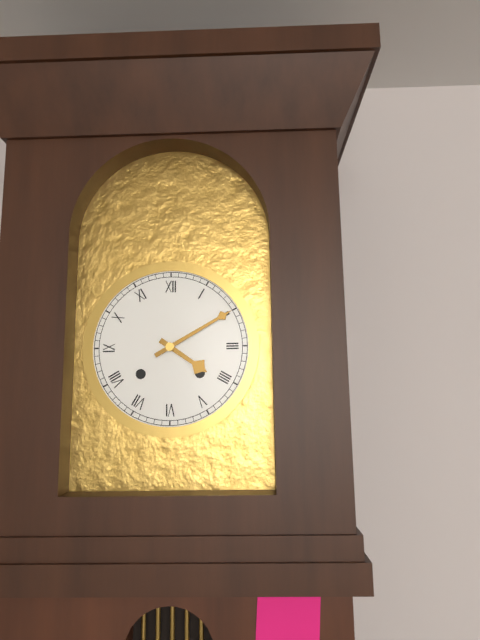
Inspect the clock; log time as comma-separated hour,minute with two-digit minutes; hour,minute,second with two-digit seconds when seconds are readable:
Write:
4,10
